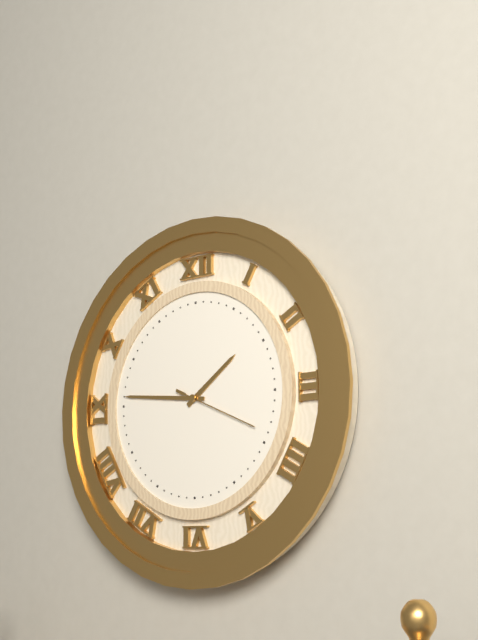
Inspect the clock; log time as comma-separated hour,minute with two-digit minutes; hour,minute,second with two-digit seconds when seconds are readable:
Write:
1,46,19
